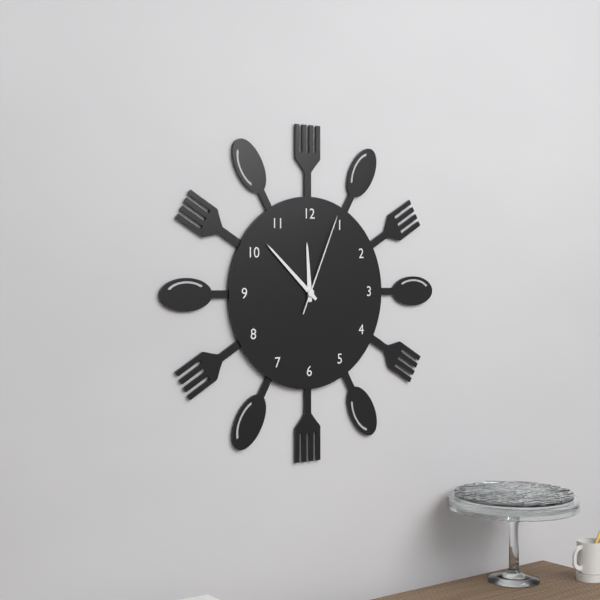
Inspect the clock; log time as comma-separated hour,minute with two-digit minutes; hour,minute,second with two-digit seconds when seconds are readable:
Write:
11,52,04
